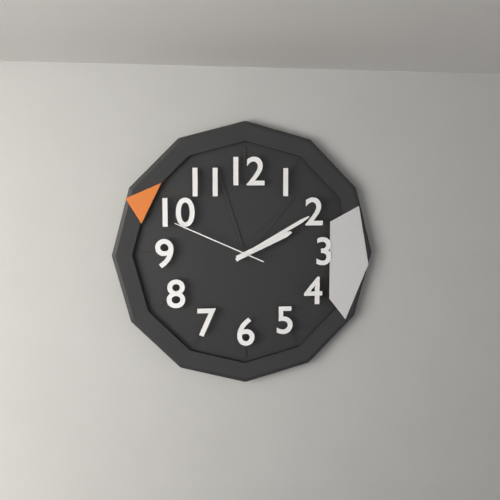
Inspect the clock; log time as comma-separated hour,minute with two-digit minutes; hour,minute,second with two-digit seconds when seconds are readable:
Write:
2,10,49
